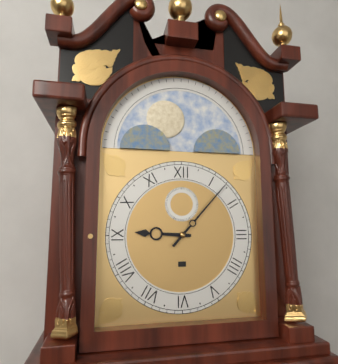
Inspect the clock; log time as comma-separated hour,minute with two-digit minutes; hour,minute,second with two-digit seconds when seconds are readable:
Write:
9,07
